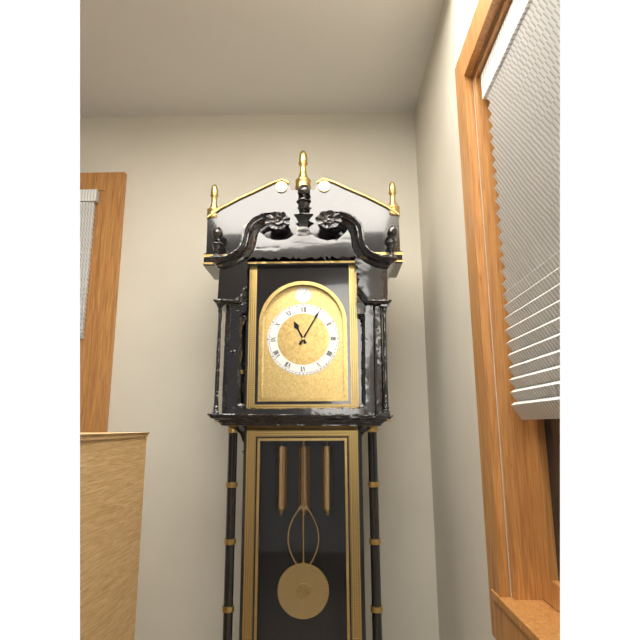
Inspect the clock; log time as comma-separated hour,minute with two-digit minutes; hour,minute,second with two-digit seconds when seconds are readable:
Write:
11,05
